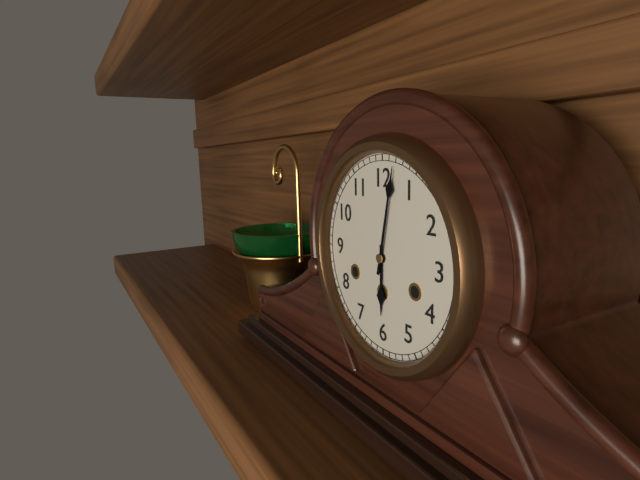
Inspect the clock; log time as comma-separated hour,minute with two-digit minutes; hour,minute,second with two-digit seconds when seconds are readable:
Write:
6,02
